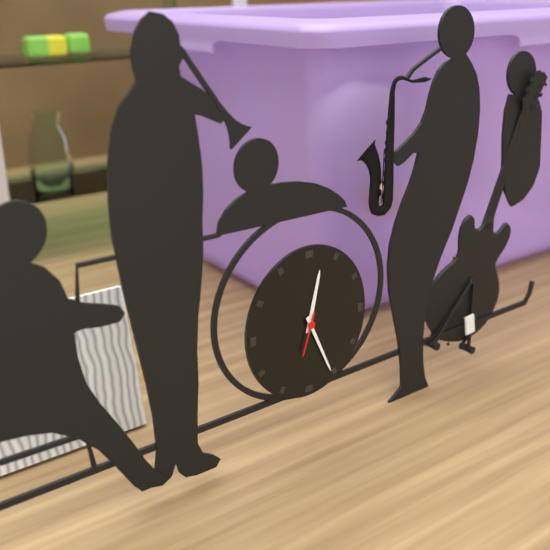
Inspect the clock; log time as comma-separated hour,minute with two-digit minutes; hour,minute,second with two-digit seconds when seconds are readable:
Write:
12,26
